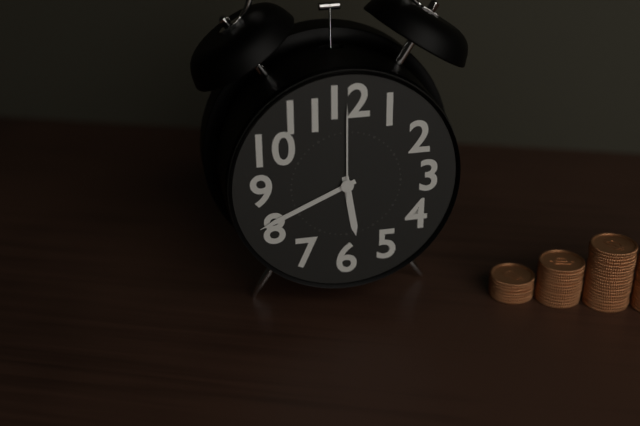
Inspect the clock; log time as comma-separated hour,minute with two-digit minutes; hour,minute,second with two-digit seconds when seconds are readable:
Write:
5,41,00
